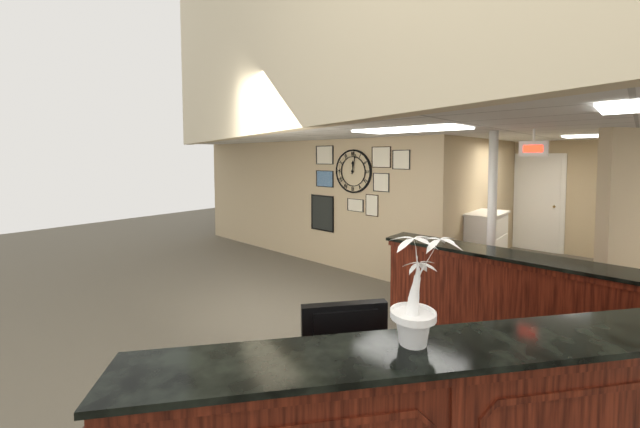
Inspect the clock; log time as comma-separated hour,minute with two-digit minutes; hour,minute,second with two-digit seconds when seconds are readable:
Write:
12,02
